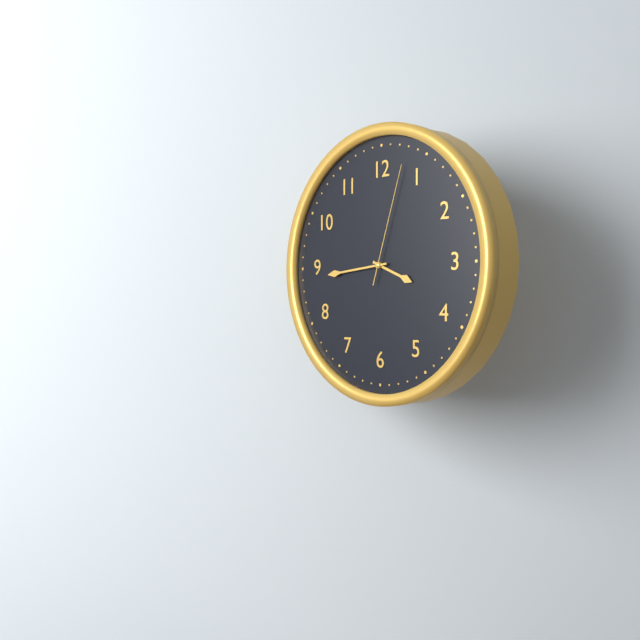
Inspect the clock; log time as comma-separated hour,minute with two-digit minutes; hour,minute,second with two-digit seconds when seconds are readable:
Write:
3,44,03
